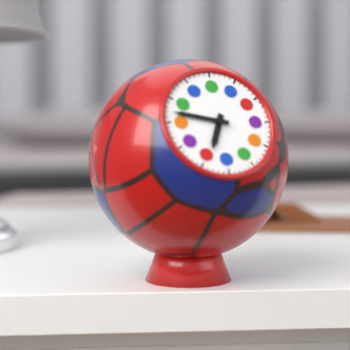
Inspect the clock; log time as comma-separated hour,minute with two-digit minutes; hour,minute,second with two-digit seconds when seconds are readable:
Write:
6,47
